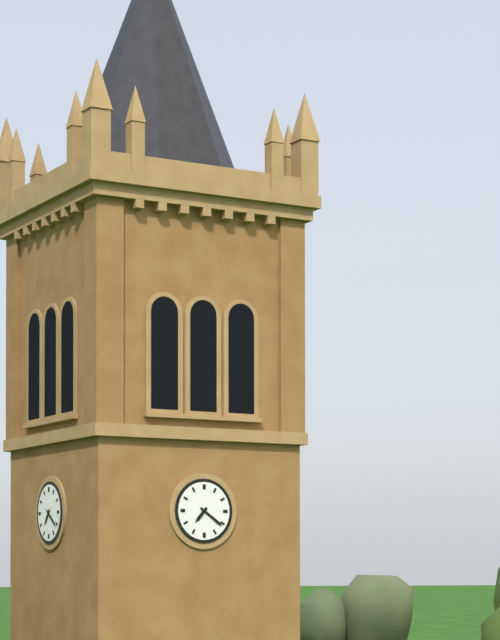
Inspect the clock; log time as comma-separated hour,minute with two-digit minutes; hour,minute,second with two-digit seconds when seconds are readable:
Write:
7,21
